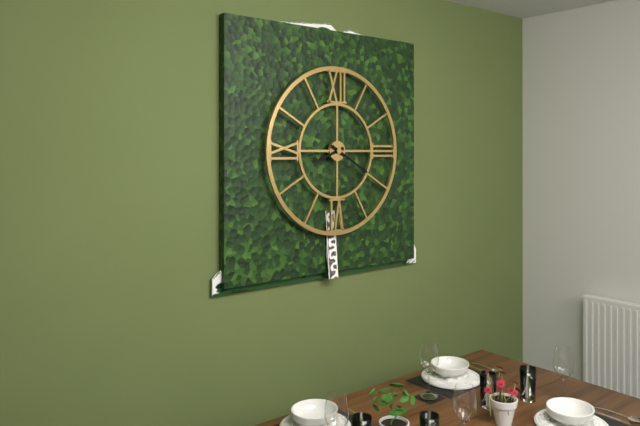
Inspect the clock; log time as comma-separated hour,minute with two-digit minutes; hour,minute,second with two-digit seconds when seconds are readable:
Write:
8,20
